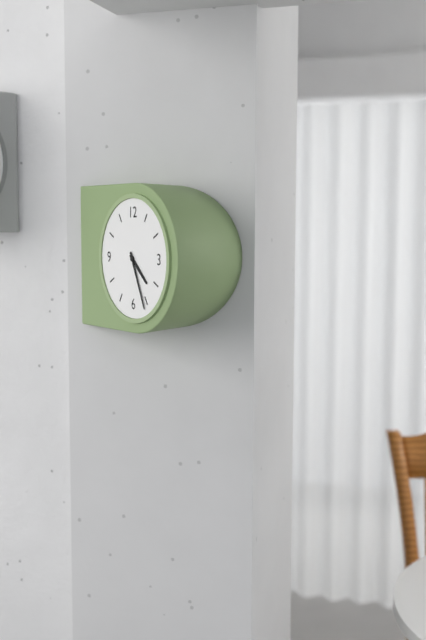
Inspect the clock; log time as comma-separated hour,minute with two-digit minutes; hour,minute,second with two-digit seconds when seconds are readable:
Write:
4,26
